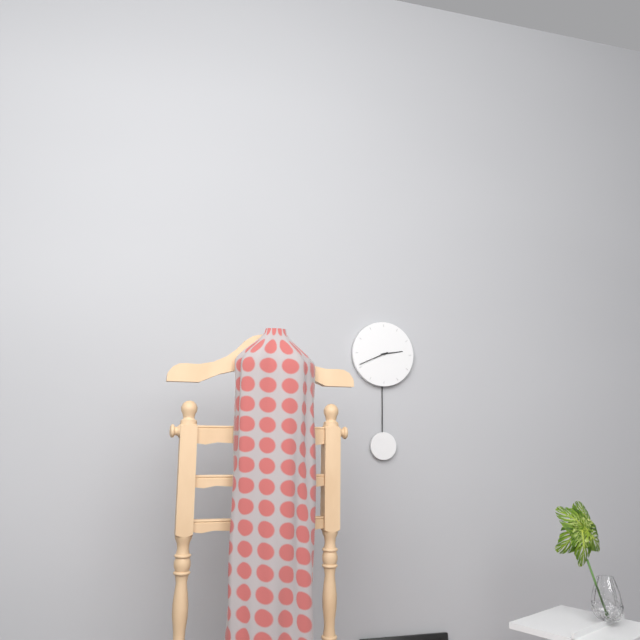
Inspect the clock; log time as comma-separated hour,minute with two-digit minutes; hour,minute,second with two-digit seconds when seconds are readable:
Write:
2,41
